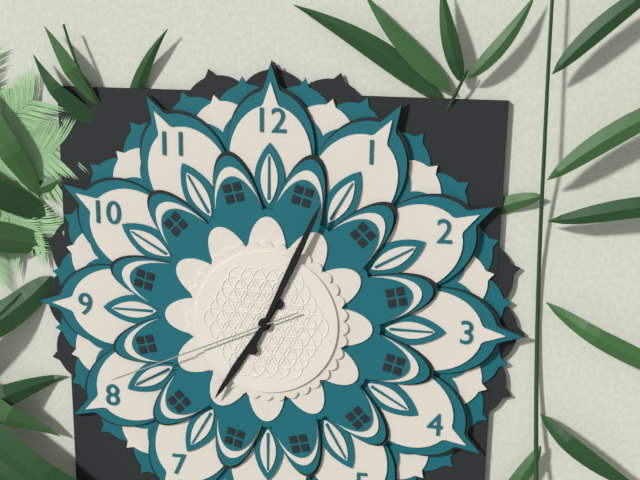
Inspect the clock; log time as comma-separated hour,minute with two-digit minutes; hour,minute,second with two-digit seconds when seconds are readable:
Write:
7,04,41
